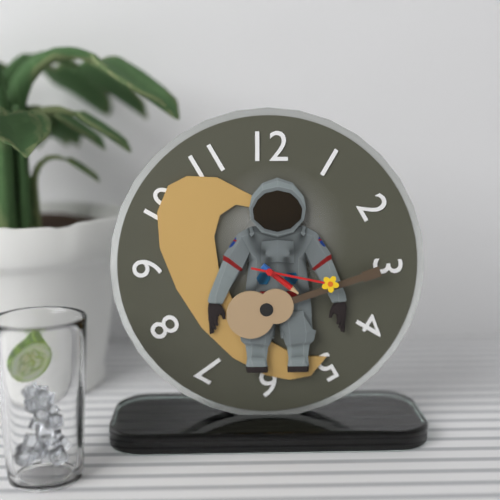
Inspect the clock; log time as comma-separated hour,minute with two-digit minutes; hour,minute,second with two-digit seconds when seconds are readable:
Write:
4,17
